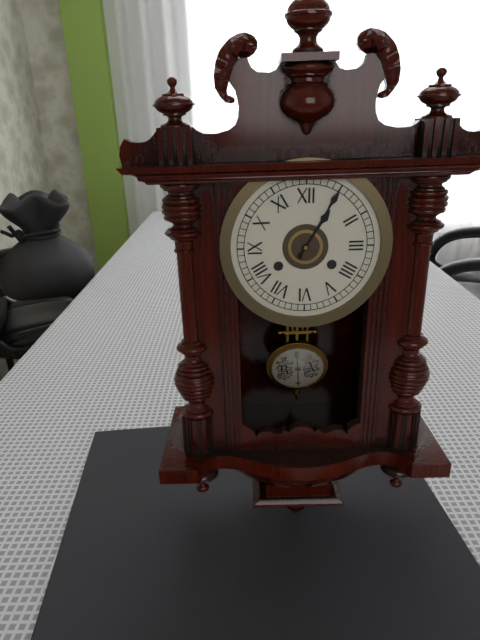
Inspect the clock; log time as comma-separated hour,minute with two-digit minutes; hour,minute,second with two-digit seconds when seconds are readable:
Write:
1,05
